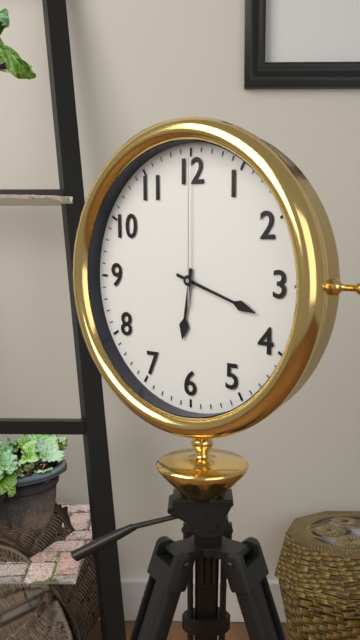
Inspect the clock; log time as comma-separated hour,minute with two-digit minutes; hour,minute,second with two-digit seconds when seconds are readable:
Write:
6,18,00
